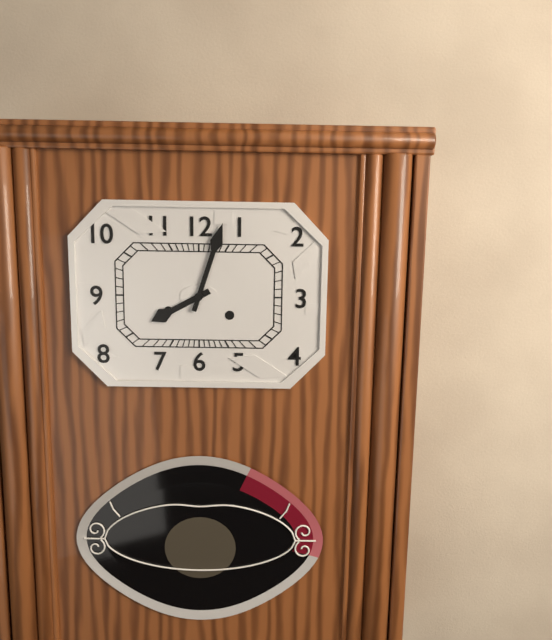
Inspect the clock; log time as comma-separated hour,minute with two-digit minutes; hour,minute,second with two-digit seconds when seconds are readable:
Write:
8,03
